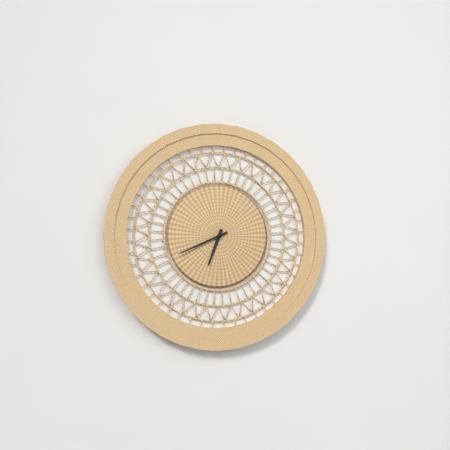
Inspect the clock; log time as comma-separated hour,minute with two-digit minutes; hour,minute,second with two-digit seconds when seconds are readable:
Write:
6,41
